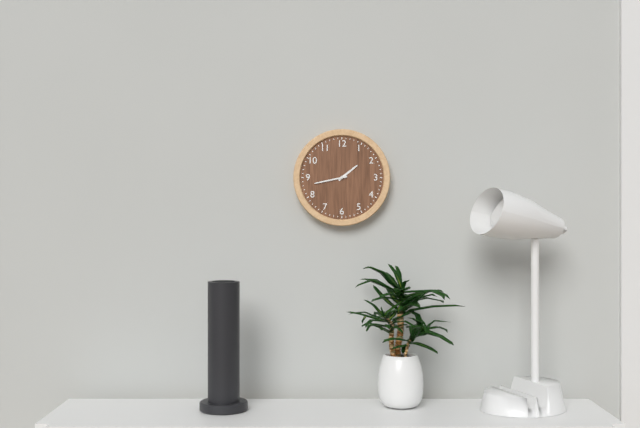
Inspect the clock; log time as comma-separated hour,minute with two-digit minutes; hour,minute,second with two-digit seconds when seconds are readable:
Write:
1,43
